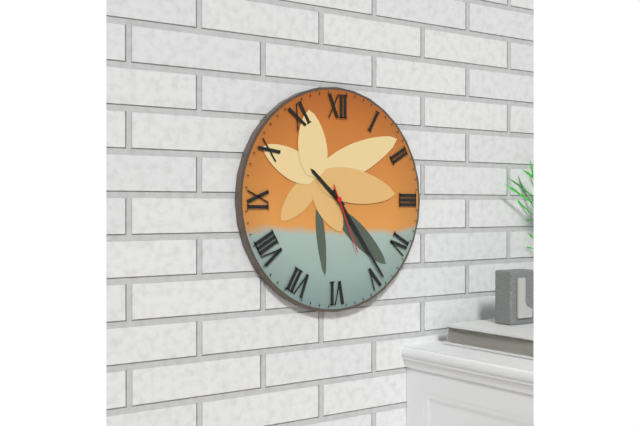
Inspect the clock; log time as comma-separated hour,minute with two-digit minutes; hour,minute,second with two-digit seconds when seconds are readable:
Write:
10,24,26
